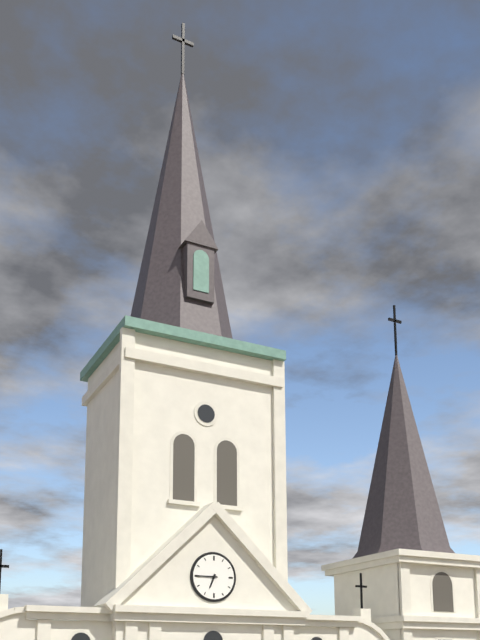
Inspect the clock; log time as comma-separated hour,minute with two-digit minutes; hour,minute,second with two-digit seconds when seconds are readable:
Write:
6,45
